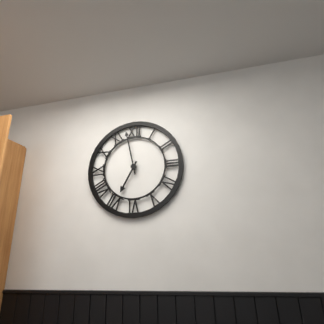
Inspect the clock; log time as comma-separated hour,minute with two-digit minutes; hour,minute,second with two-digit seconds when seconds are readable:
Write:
6,58
